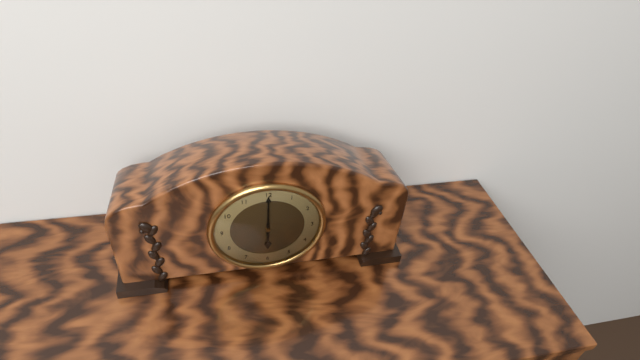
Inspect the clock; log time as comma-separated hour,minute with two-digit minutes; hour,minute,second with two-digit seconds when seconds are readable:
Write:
6,00
